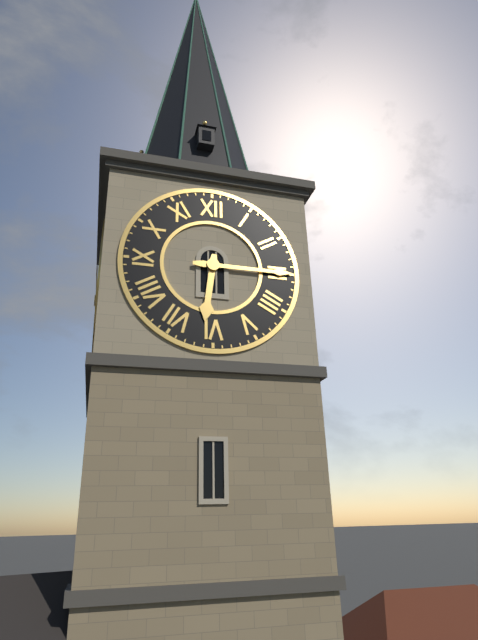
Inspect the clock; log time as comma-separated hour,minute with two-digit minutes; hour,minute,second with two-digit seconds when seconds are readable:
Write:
6,15
